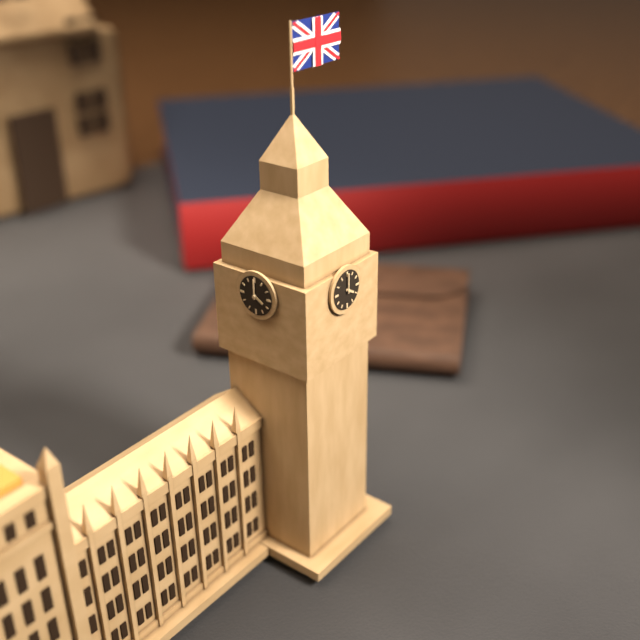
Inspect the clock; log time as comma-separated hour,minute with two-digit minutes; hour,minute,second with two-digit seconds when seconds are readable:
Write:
4,00
